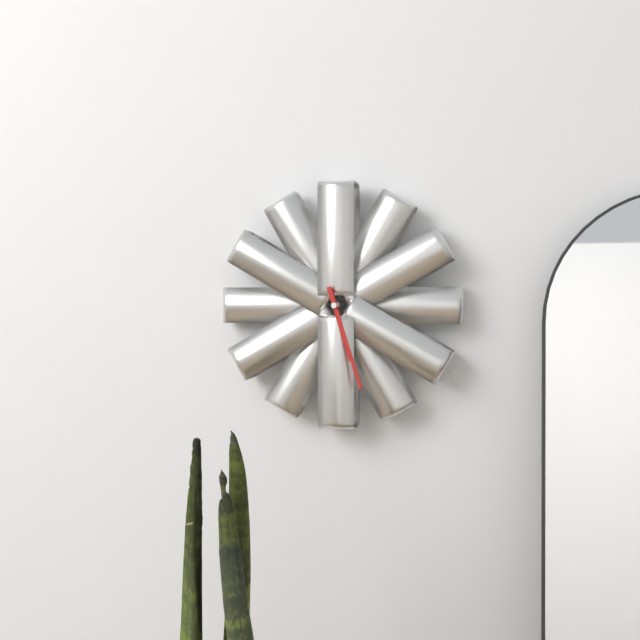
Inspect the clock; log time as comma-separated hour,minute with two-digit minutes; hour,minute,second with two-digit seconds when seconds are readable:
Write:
5,27
